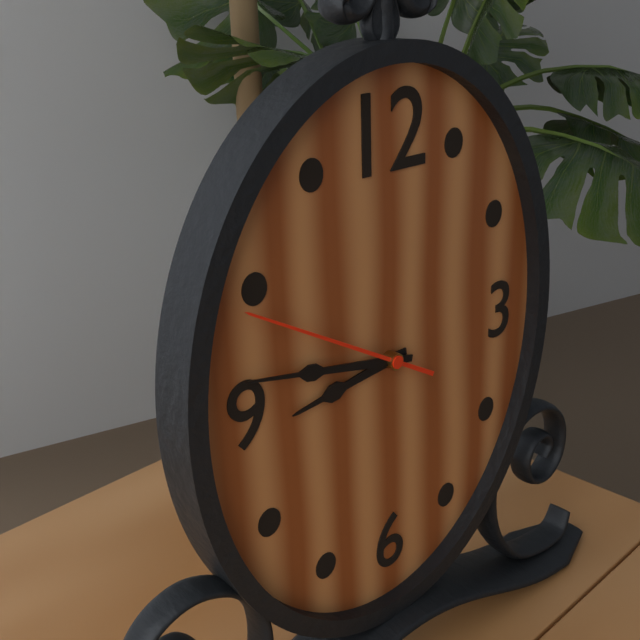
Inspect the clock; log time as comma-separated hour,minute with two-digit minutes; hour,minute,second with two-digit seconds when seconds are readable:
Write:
8,47,50
